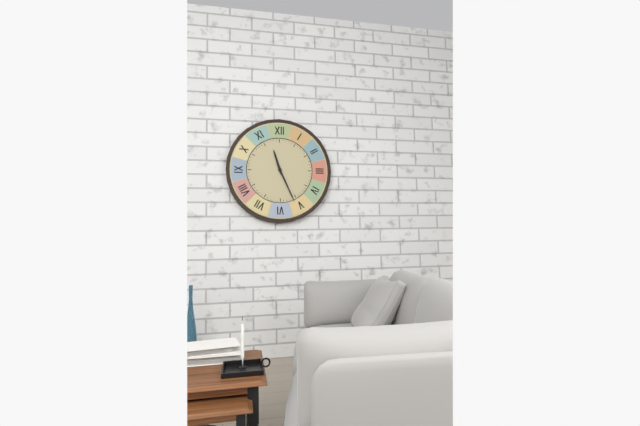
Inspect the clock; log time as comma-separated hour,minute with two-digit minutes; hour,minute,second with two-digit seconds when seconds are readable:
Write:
11,26
